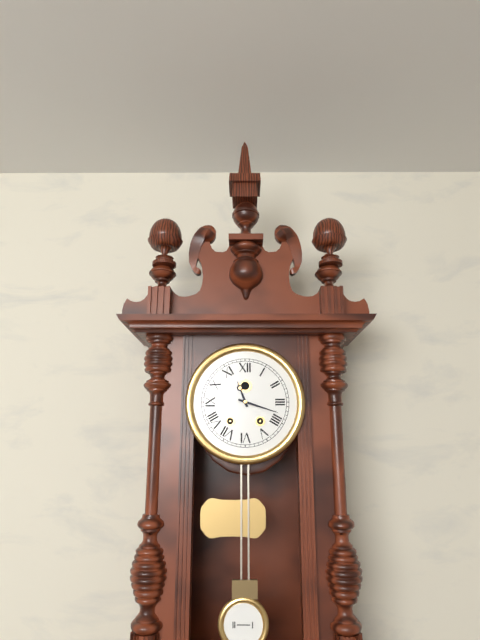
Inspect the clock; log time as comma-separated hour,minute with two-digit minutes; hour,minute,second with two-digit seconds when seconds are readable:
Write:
11,18
